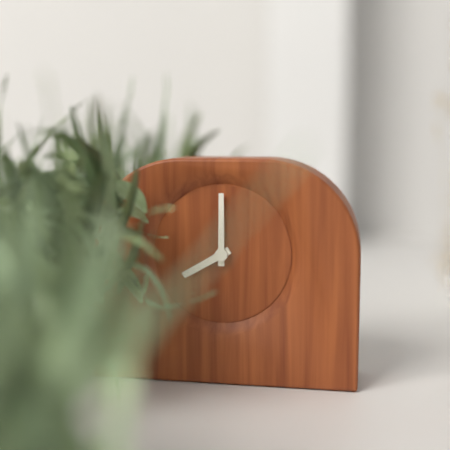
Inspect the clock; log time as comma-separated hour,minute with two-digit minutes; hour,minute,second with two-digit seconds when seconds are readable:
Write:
8,00
